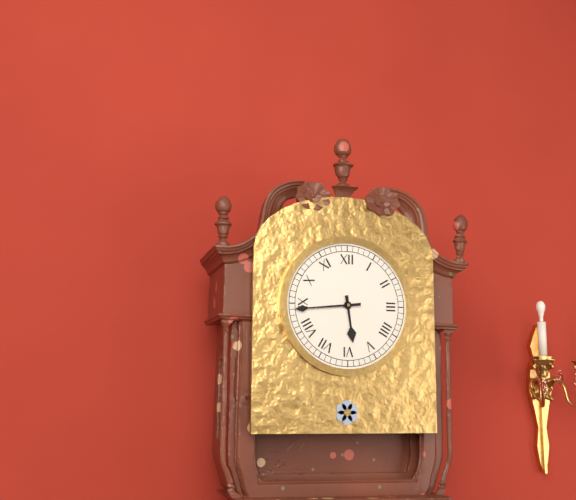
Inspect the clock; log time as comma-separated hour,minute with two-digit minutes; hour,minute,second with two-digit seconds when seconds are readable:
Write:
5,44
